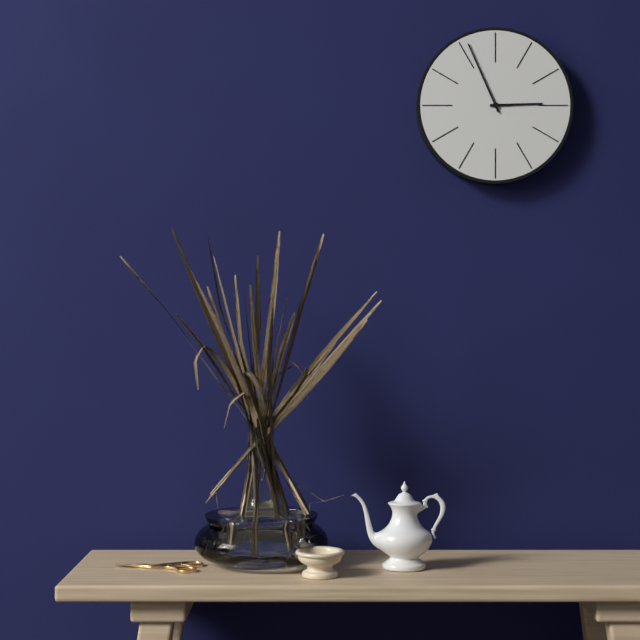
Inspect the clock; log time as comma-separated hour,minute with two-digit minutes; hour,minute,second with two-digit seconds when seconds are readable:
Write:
2,56
